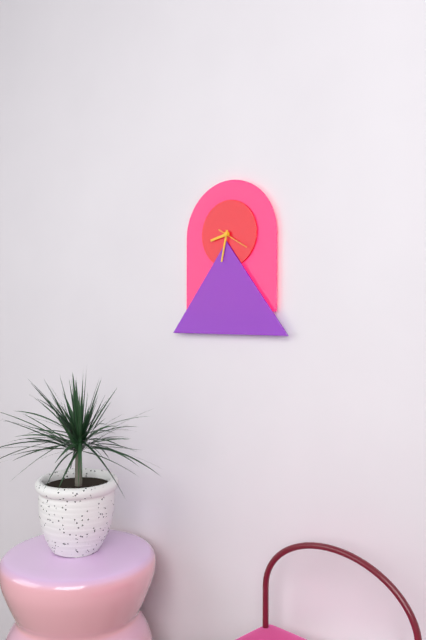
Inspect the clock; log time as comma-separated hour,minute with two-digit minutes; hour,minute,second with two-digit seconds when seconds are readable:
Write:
8,32
